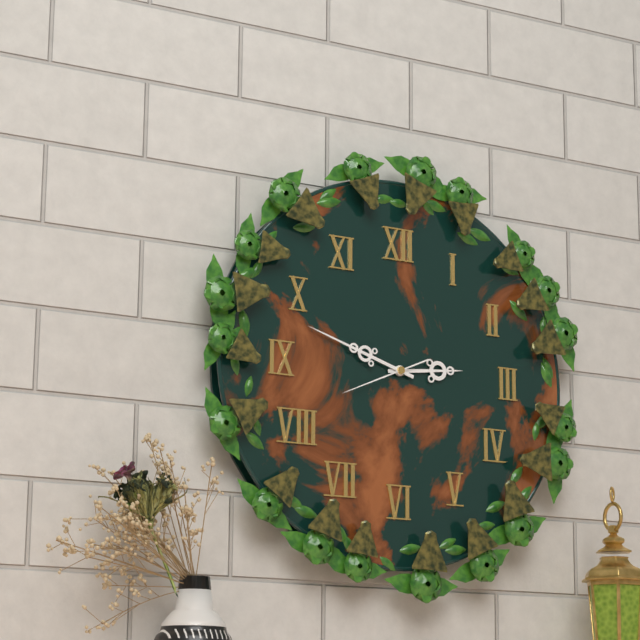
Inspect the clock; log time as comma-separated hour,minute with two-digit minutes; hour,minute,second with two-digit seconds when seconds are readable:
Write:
2,48,41
